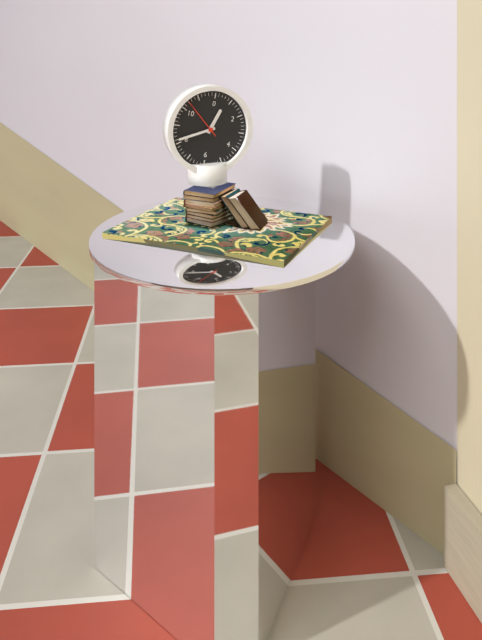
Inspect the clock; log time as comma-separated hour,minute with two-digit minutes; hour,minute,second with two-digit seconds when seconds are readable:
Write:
12,41
